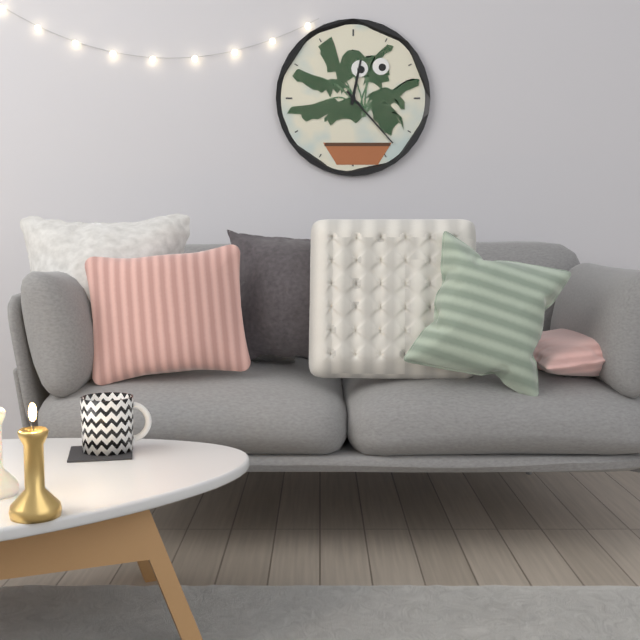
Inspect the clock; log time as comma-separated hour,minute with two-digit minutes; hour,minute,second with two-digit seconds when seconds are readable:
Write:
12,23
